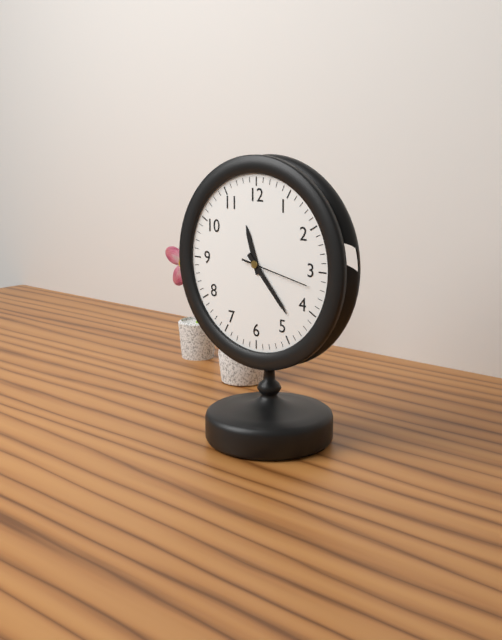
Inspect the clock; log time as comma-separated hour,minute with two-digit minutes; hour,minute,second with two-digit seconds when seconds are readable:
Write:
11,23,17
